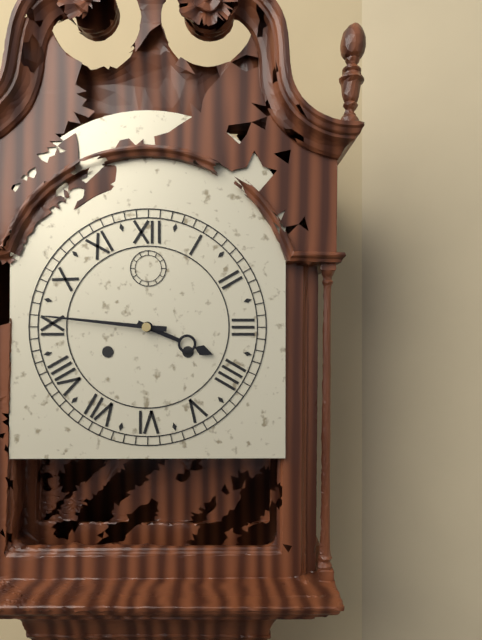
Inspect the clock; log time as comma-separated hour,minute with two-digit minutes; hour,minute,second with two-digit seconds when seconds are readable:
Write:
3,46
